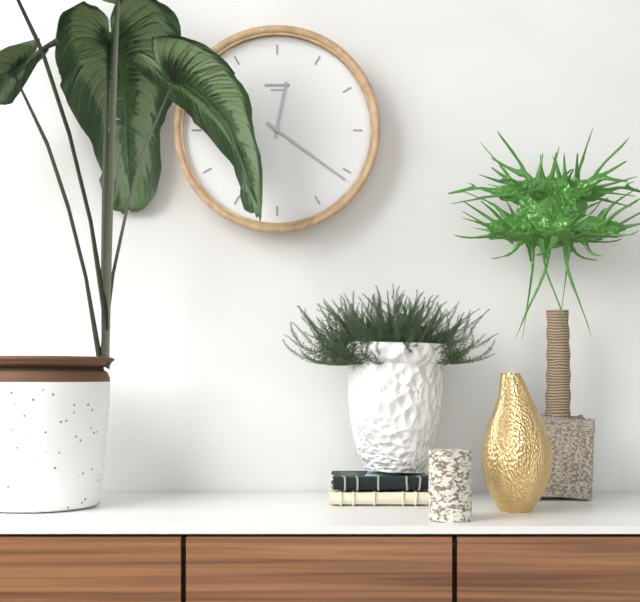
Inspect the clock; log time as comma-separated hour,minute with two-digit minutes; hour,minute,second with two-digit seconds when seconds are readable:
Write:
12,21
